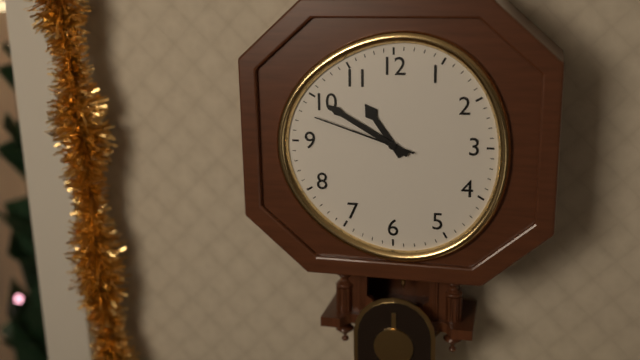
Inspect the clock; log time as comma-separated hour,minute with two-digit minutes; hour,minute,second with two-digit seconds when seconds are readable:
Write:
10,50,48
